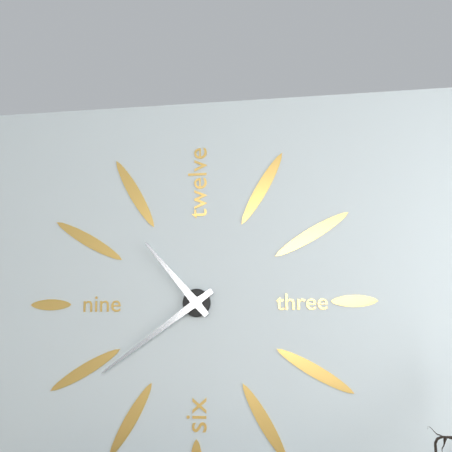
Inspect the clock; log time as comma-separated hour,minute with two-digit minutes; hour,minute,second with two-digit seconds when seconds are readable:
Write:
10,39
